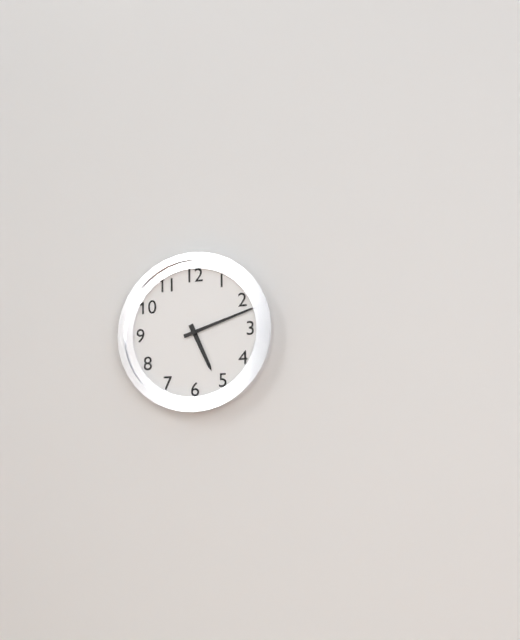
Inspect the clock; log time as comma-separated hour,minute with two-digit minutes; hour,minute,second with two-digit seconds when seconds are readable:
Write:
5,12
